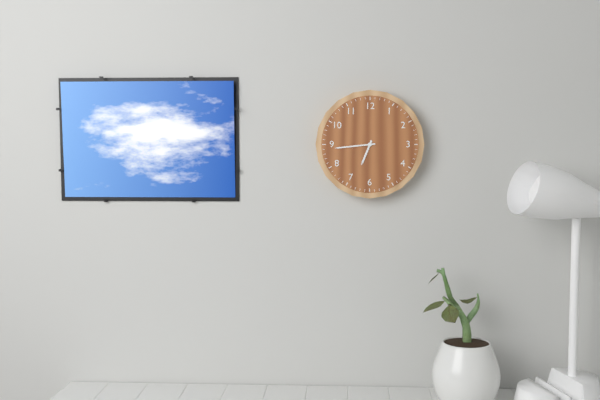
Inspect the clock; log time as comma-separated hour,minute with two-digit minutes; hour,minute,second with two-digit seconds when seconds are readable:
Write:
6,44
